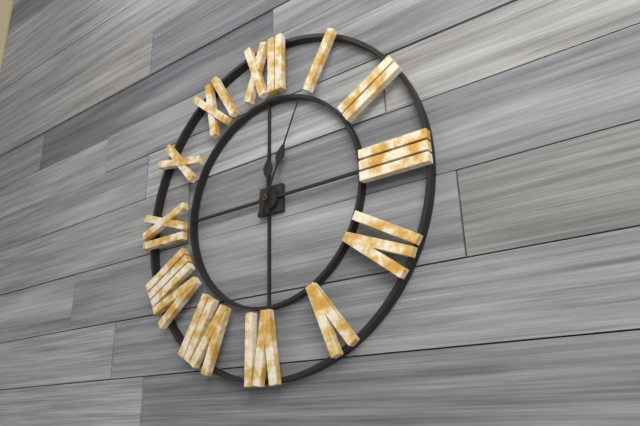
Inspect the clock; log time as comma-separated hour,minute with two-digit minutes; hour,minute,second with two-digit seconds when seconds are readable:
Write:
12,04
